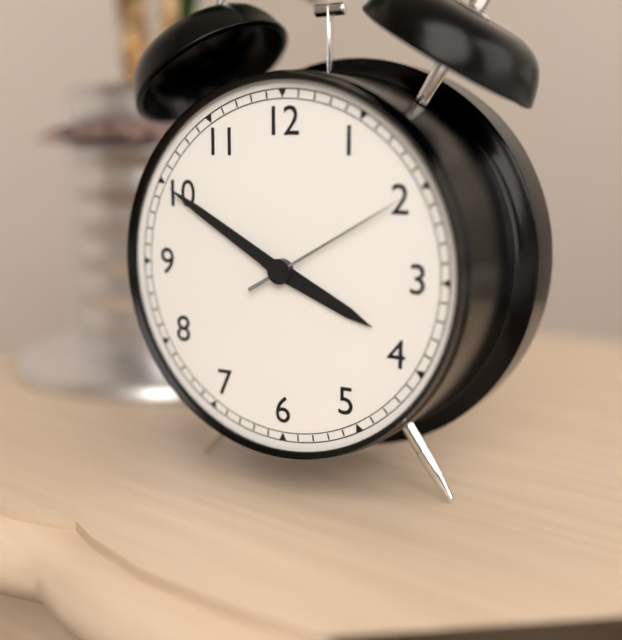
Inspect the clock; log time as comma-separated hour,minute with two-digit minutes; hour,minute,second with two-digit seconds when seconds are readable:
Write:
3,50,10
